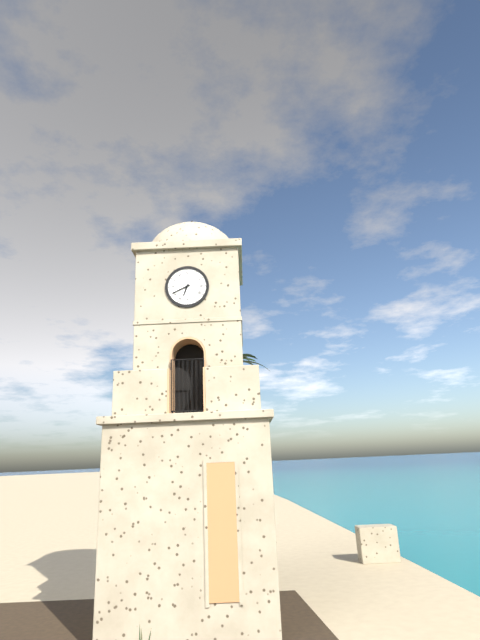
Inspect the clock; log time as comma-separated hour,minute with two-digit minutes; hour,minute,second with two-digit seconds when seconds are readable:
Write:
6,41
